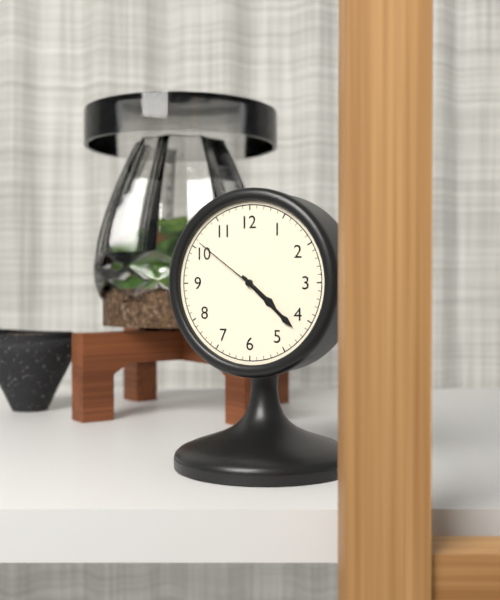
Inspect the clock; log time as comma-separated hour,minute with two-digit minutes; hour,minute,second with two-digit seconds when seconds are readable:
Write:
4,22,51
